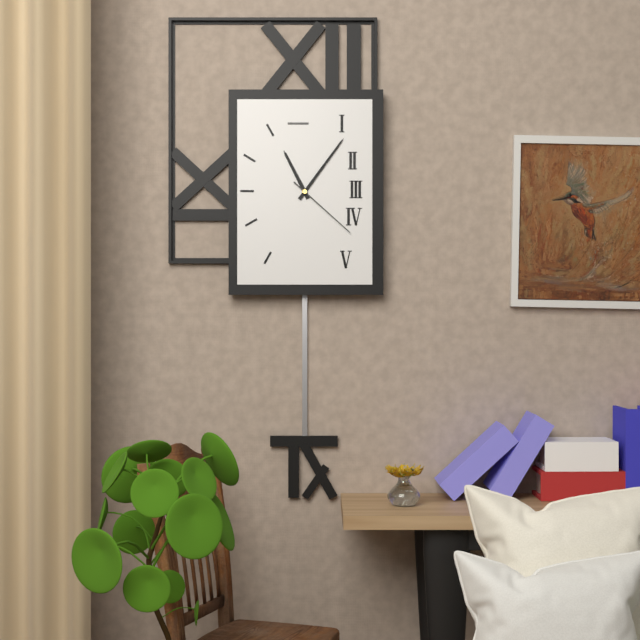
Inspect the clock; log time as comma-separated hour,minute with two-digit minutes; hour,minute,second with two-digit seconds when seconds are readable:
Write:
11,06,22
